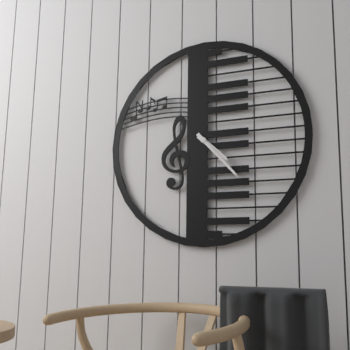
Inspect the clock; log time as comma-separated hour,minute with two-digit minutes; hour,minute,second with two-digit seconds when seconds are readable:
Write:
4,23
